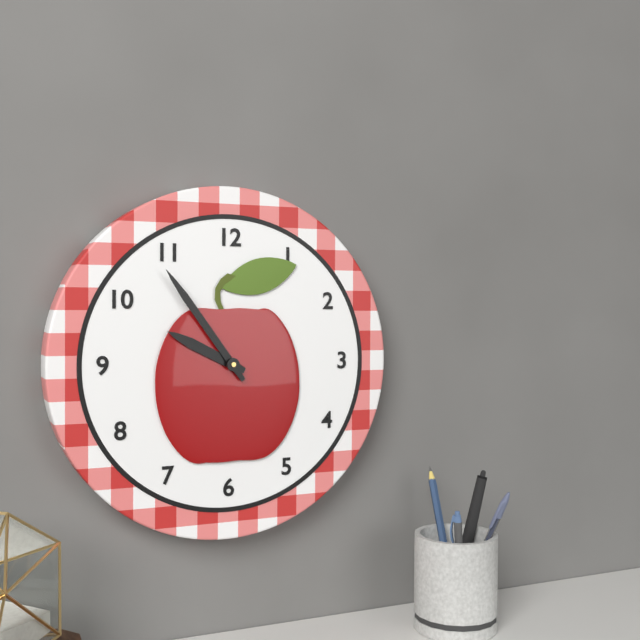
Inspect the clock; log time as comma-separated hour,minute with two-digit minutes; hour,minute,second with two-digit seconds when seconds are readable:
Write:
9,54
